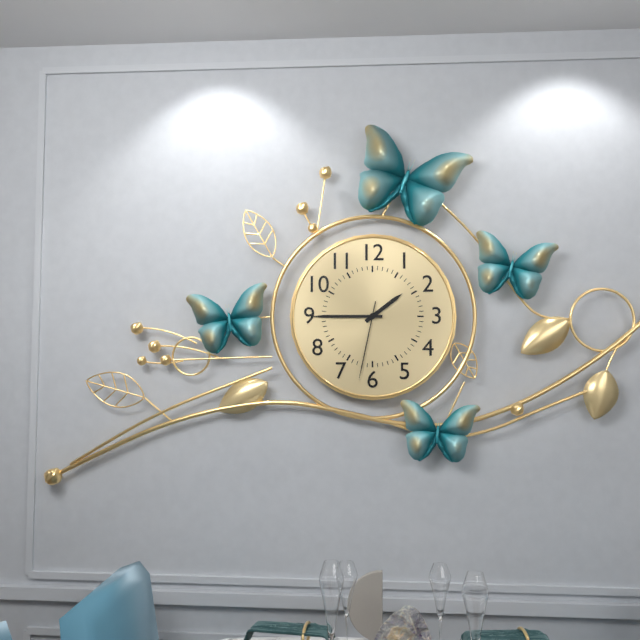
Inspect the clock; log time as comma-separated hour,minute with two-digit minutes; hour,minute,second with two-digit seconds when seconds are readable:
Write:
1,45,32
